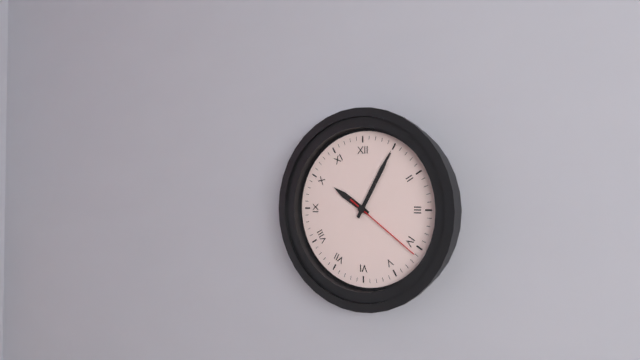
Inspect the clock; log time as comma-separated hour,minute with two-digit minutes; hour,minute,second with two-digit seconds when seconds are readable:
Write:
10,05,21
